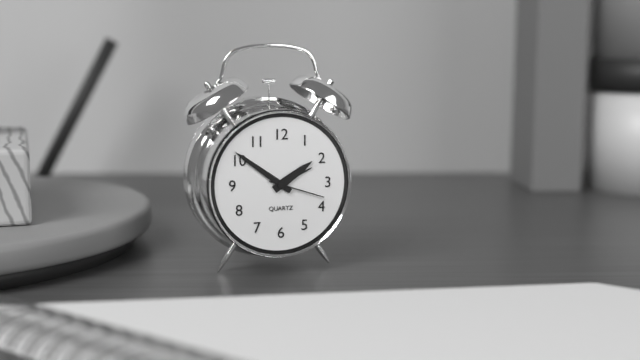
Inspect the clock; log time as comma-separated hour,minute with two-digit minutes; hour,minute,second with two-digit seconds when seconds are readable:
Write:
1,51,18
